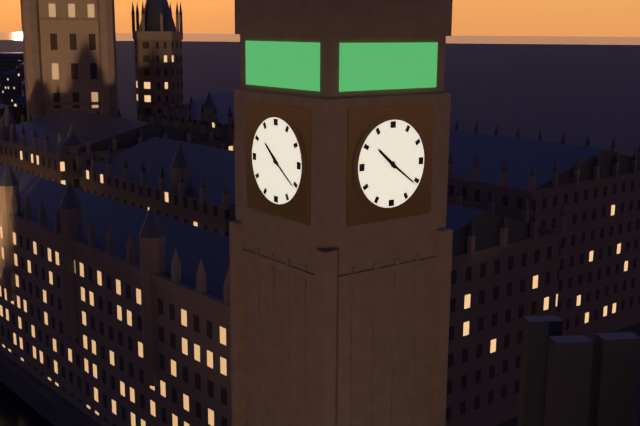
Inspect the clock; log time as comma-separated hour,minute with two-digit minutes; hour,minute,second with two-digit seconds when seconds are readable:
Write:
10,21
